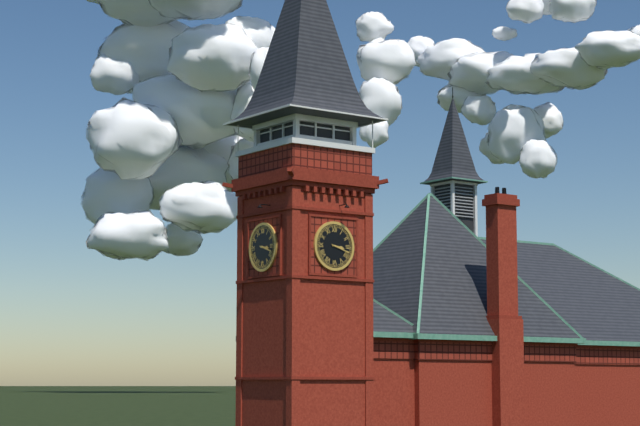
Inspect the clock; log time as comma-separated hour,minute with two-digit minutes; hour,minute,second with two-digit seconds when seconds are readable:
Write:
3,18
